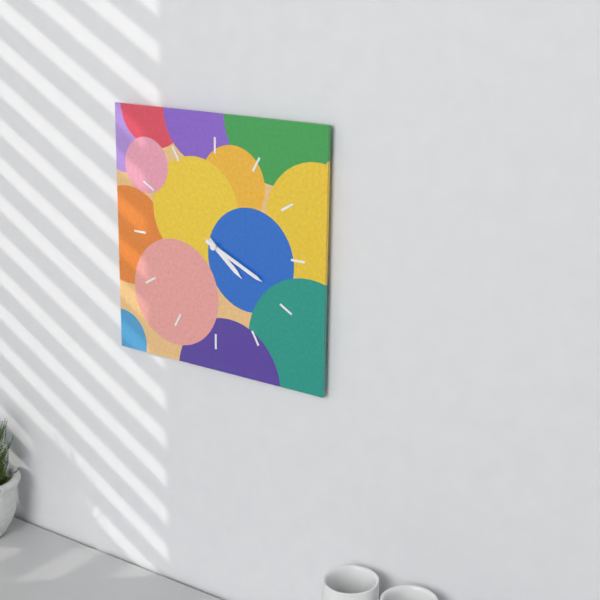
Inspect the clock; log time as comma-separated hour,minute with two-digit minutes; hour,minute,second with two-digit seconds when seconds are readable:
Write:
4,19
